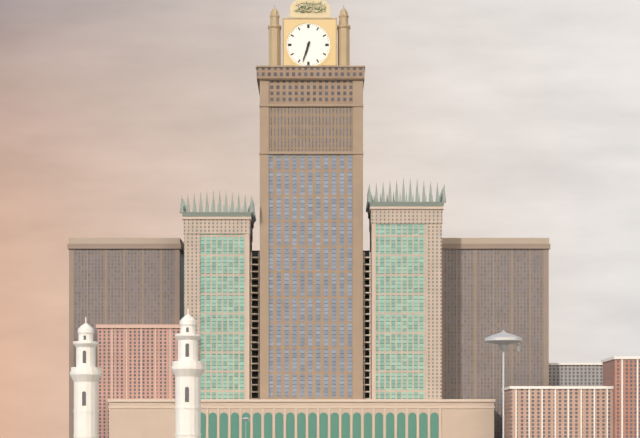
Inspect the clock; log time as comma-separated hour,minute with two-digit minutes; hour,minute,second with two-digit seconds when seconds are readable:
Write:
6,33
